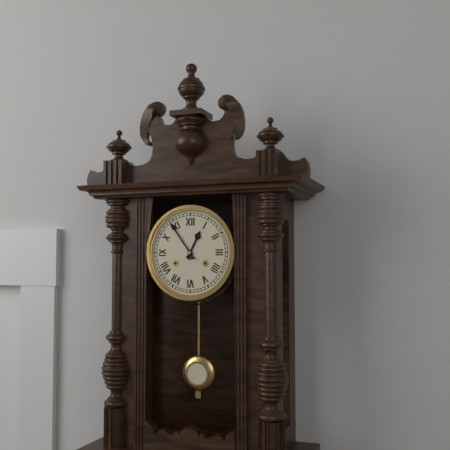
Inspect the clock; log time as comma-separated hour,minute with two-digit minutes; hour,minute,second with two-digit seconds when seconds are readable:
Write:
12,54
